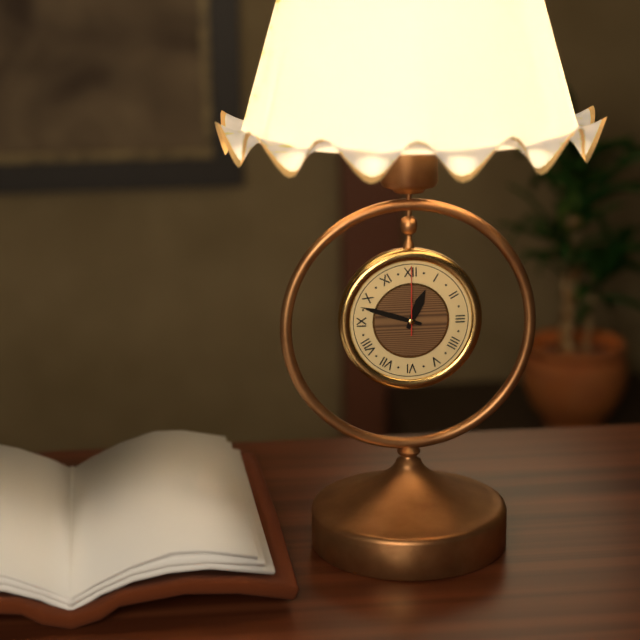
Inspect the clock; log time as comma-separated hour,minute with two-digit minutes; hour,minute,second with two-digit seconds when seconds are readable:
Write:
12,48,00
